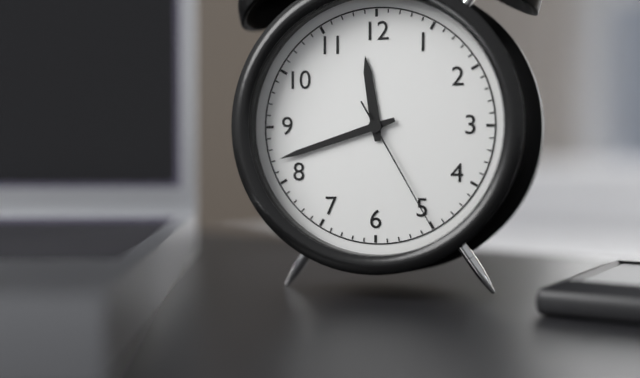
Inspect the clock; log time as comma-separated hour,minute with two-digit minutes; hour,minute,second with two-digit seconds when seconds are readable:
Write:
11,42,25
